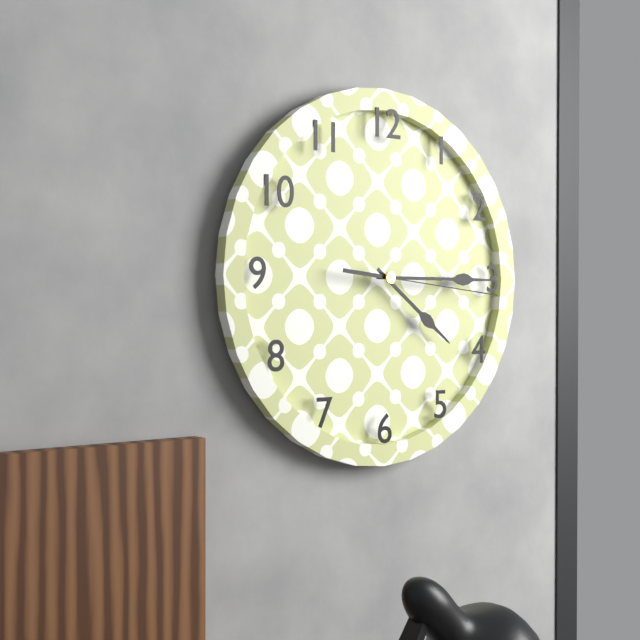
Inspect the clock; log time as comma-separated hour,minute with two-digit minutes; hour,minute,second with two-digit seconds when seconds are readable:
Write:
4,15,16
